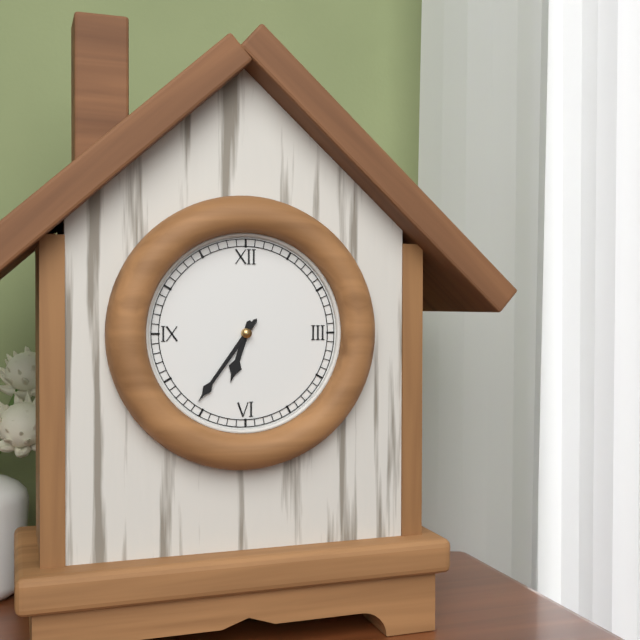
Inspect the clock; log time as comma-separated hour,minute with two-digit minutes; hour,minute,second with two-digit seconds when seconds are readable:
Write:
6,36
